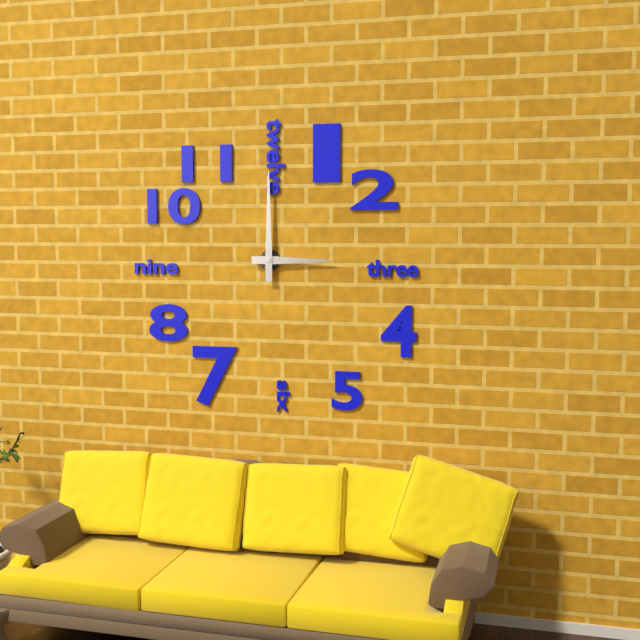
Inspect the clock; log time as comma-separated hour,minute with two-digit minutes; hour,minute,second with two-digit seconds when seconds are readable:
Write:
3,00
